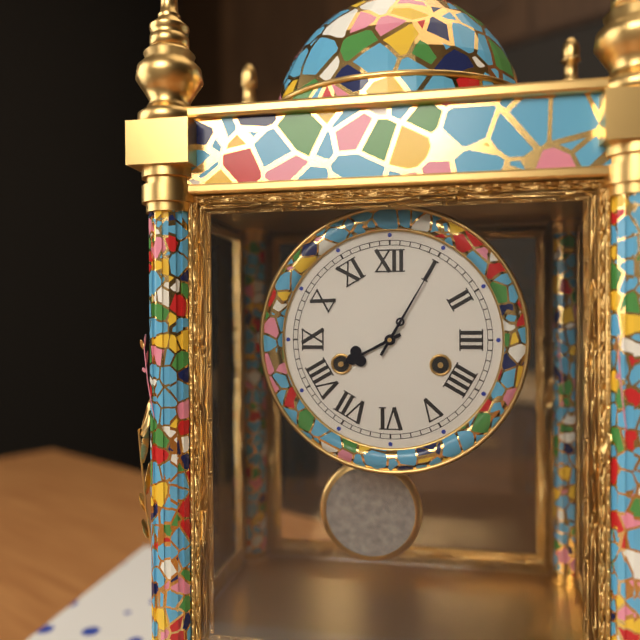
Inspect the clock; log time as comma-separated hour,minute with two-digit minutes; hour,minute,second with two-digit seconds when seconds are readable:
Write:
8,05
